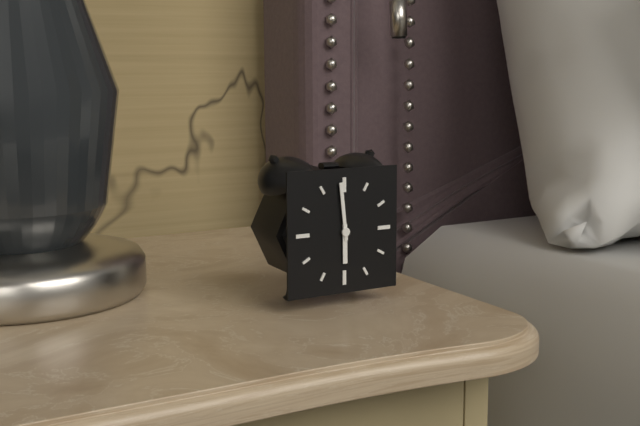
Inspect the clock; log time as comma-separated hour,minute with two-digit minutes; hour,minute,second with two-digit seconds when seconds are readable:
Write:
5,59
